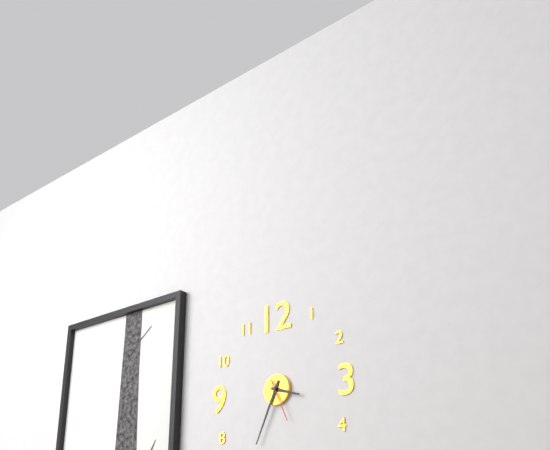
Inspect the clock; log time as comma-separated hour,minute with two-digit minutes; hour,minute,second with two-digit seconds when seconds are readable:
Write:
3,34
